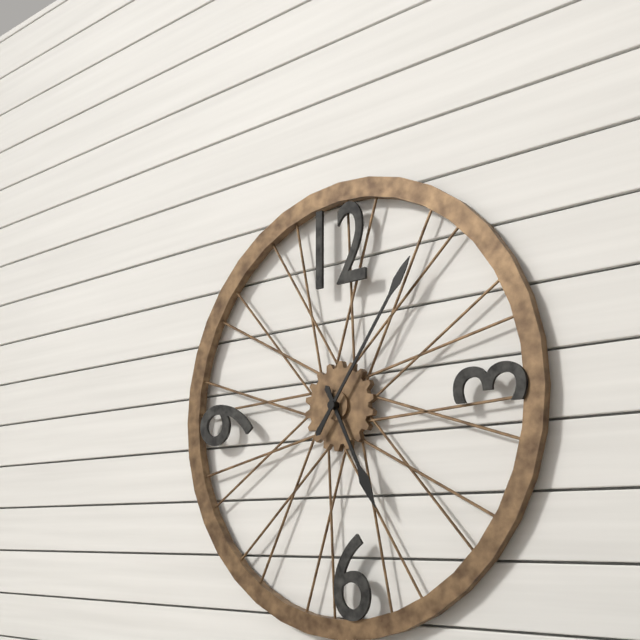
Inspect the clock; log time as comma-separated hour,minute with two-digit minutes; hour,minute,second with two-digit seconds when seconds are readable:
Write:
5,06
